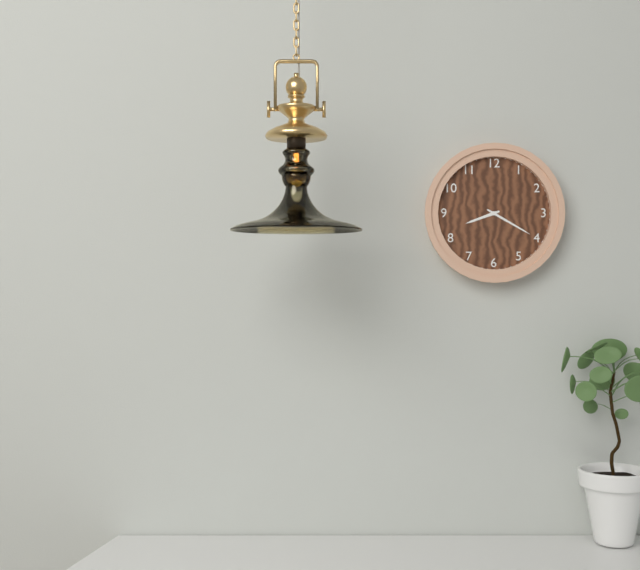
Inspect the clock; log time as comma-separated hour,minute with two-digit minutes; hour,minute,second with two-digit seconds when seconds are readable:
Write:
8,20
